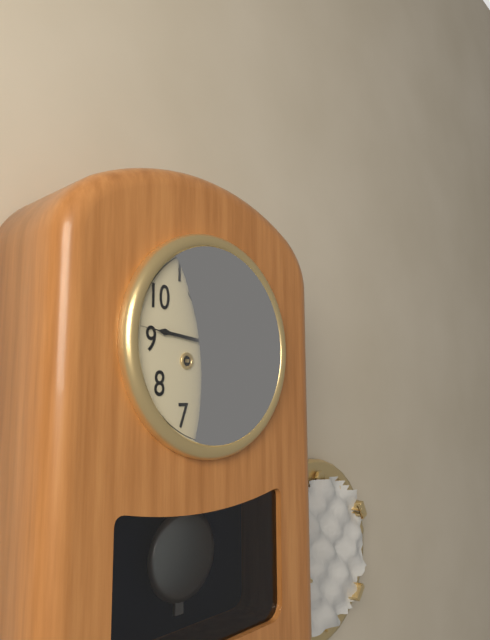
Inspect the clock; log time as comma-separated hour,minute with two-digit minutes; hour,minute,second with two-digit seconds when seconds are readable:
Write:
10,46
